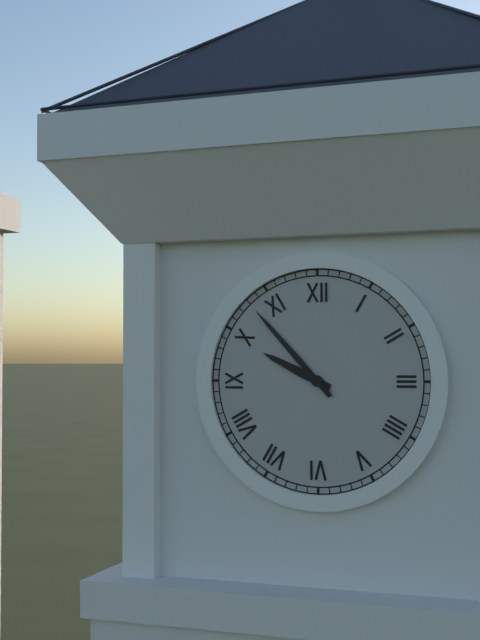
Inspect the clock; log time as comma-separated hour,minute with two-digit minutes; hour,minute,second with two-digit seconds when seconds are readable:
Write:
9,53
